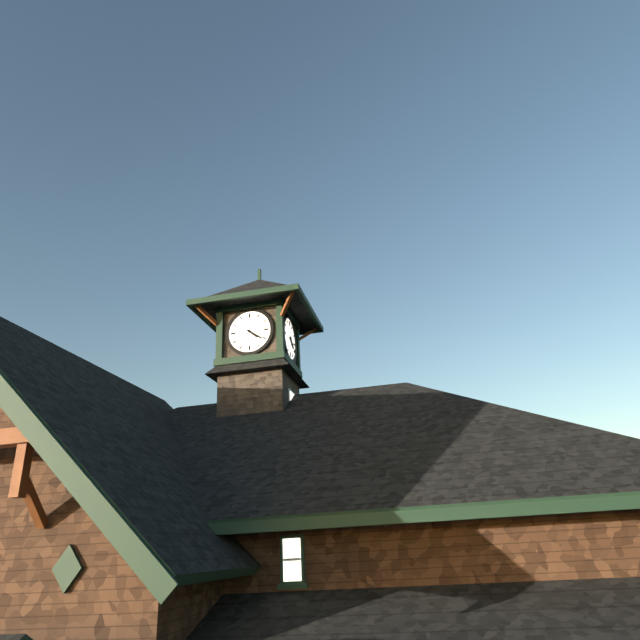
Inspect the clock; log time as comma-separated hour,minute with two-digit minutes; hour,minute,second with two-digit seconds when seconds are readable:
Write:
4,21
